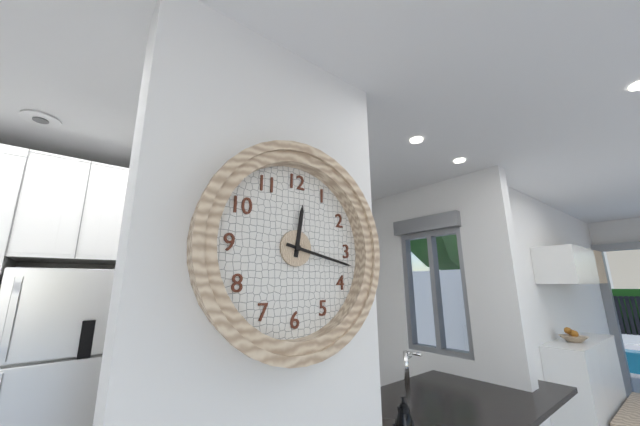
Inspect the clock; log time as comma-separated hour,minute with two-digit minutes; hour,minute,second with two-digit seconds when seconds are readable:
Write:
12,17
